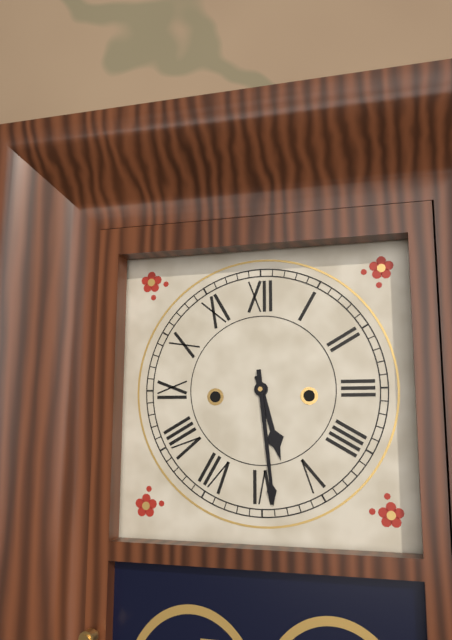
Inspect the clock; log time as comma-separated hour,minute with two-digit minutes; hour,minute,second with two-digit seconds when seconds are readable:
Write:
5,29
